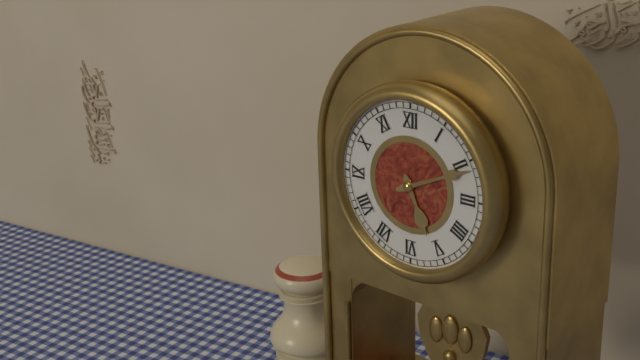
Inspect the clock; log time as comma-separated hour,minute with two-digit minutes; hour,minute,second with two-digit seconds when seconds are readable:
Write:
5,11
